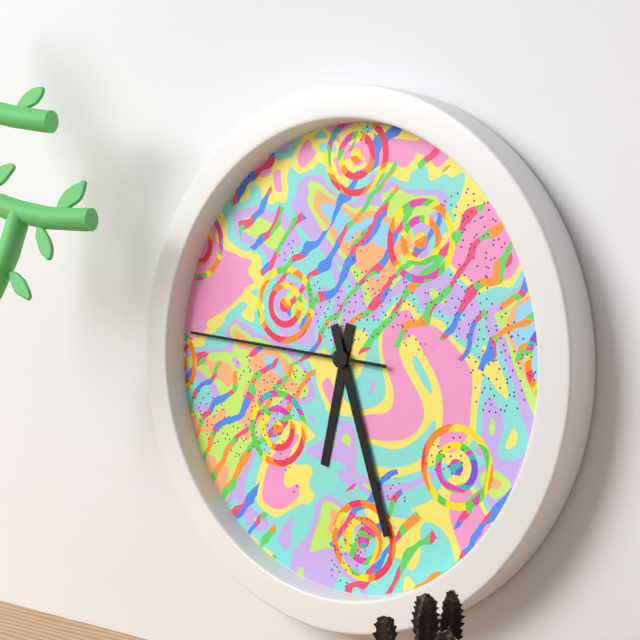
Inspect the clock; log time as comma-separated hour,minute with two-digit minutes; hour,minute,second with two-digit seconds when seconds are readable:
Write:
6,27,46
